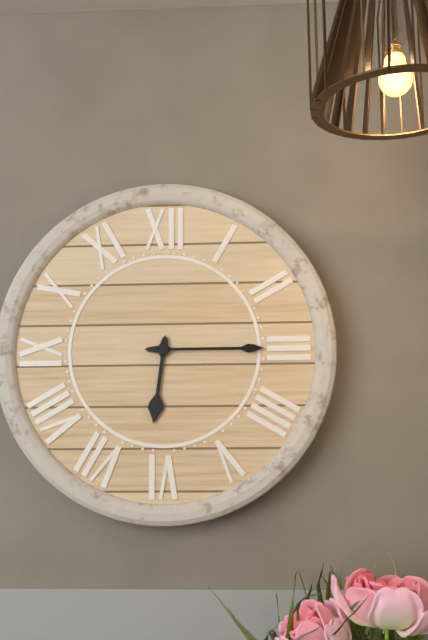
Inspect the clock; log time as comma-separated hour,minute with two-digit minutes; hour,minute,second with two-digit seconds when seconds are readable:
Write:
6,15
